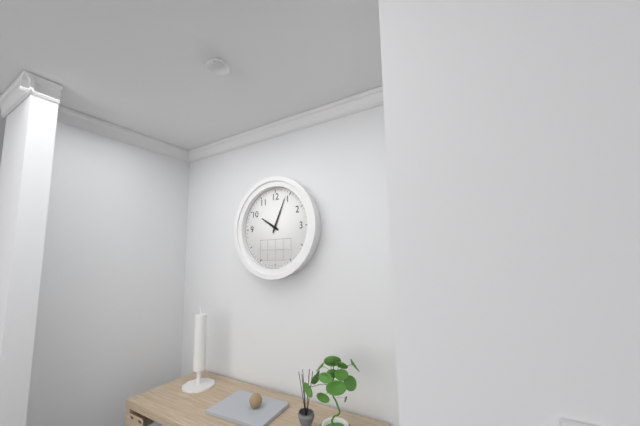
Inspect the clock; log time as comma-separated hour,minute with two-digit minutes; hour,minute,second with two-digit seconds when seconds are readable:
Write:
10,04
